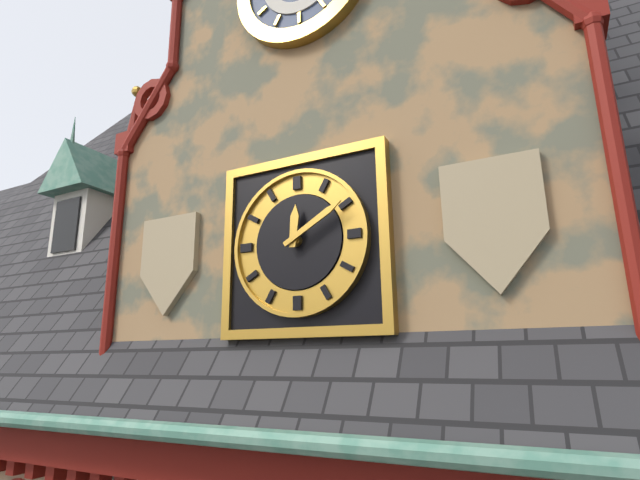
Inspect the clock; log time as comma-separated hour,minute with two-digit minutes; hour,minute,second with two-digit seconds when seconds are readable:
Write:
12,10
